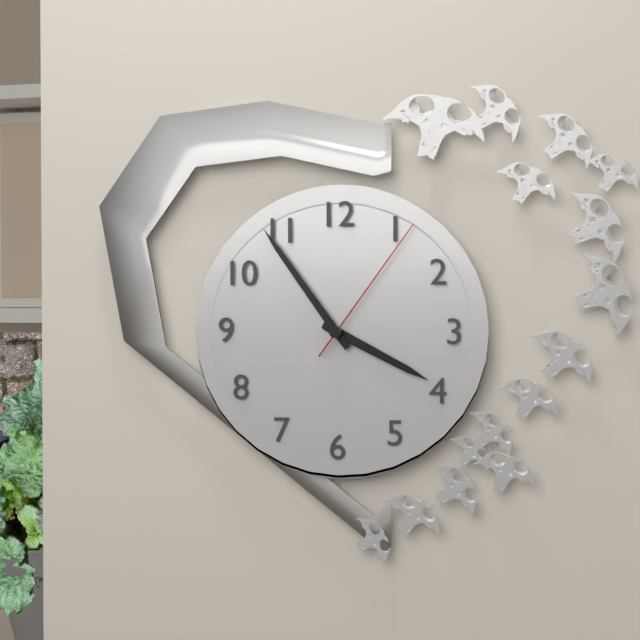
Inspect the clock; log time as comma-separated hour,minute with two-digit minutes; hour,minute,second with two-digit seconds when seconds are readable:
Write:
3,54,06
